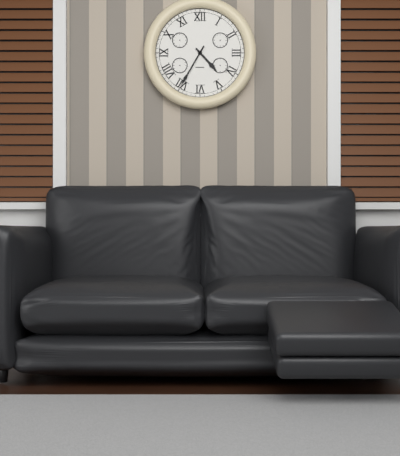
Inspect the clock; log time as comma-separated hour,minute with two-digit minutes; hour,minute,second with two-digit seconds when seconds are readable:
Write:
4,35
